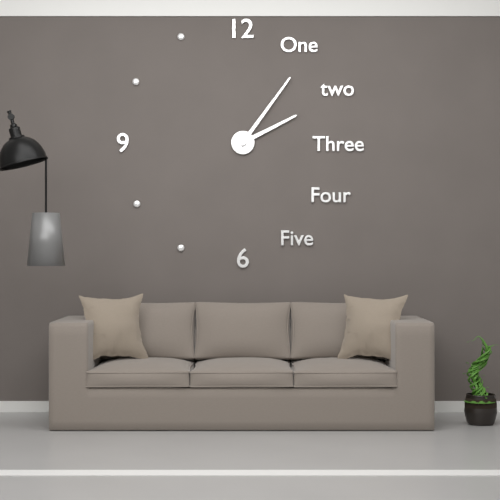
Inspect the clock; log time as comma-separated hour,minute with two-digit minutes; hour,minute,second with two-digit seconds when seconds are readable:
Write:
2,06
